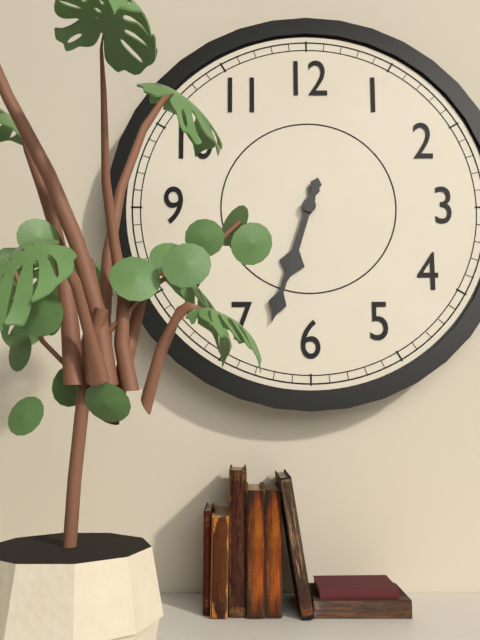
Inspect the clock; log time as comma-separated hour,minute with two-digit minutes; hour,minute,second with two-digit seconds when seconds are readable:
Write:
6,33
